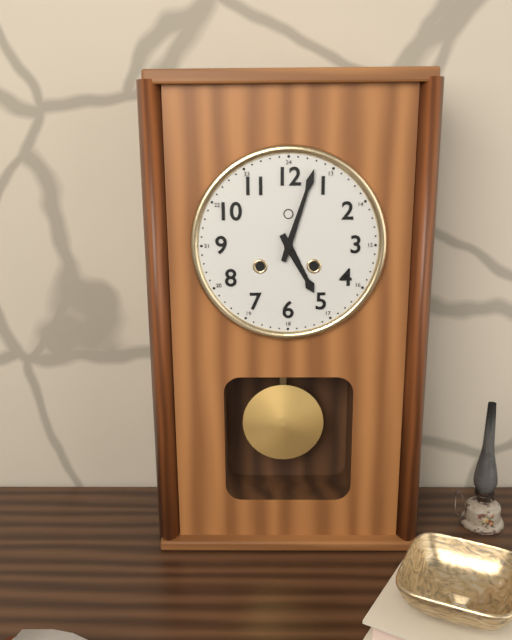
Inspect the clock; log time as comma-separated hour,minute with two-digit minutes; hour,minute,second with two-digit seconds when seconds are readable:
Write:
5,03
